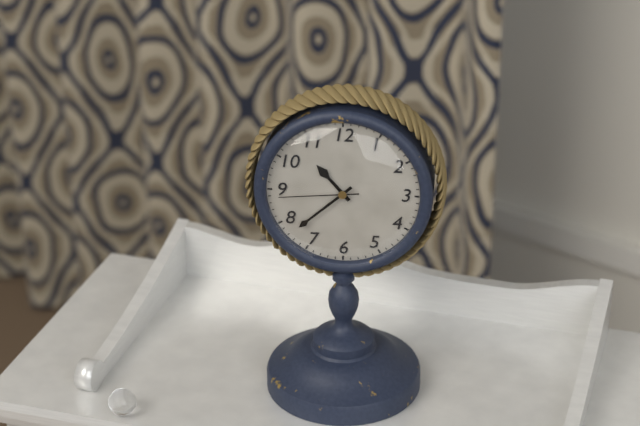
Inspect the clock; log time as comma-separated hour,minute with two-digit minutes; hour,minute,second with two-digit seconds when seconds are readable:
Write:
10,38,44
